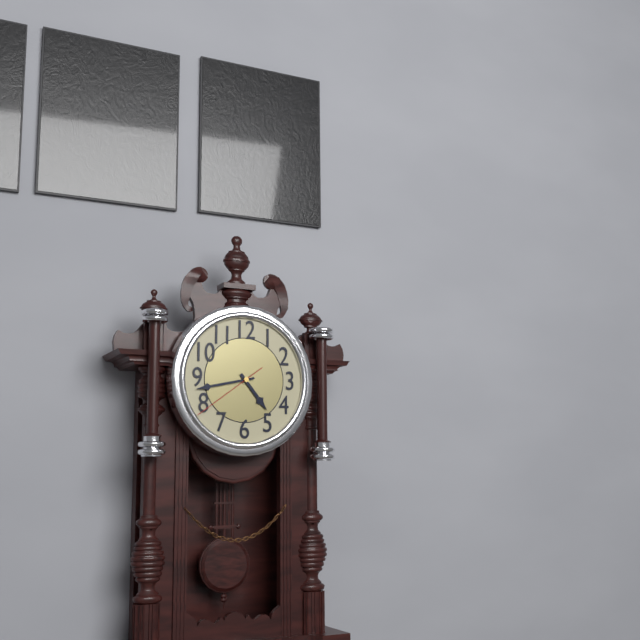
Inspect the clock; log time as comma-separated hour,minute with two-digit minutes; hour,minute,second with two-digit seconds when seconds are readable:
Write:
4,43,39
